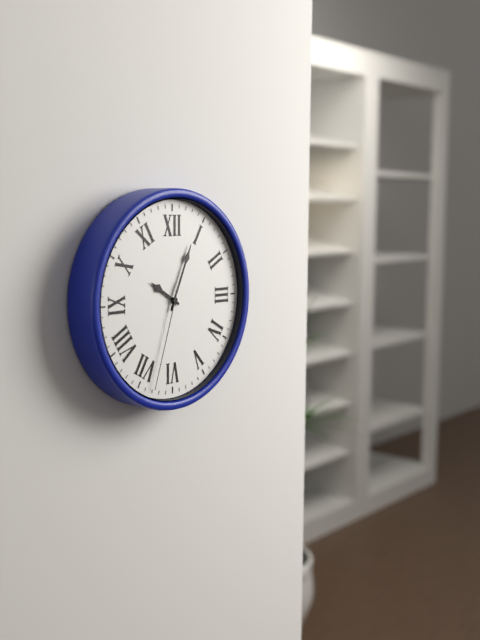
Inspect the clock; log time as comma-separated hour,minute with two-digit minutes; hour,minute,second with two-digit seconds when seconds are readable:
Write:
10,04,33
